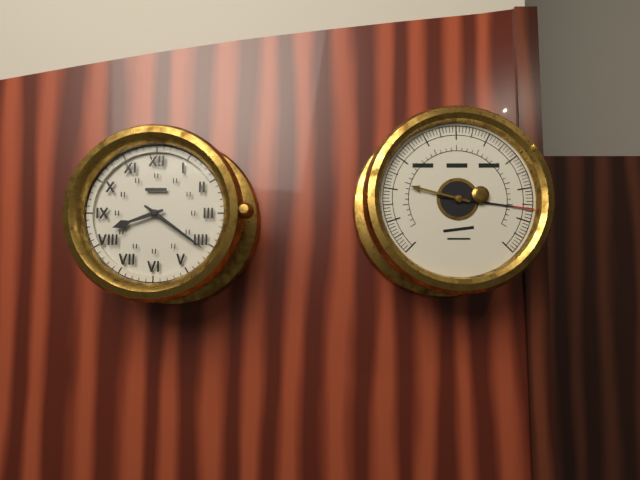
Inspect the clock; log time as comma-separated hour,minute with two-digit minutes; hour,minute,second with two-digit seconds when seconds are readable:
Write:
8,21
